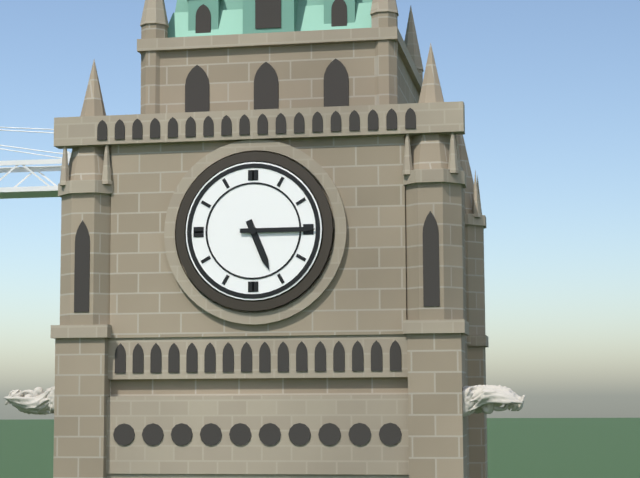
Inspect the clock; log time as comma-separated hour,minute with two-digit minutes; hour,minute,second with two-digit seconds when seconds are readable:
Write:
5,15
